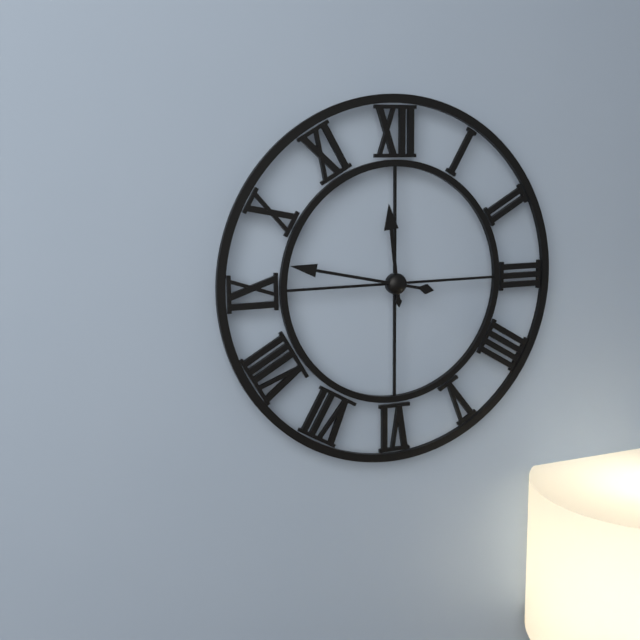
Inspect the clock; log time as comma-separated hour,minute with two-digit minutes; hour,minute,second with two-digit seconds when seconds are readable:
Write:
11,47
